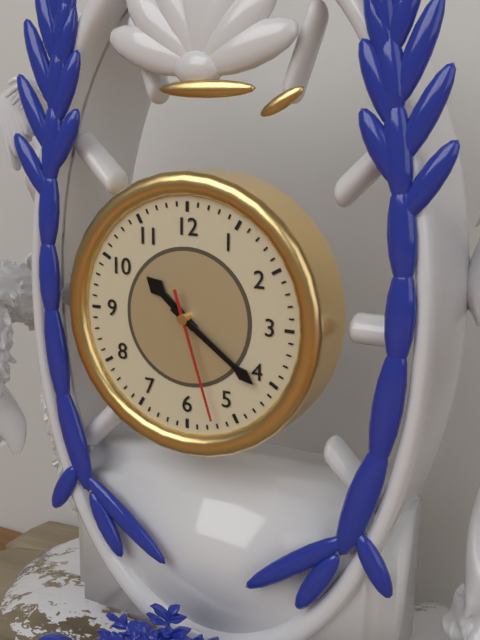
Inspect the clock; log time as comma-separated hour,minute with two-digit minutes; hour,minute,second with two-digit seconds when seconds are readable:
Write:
10,21,27
